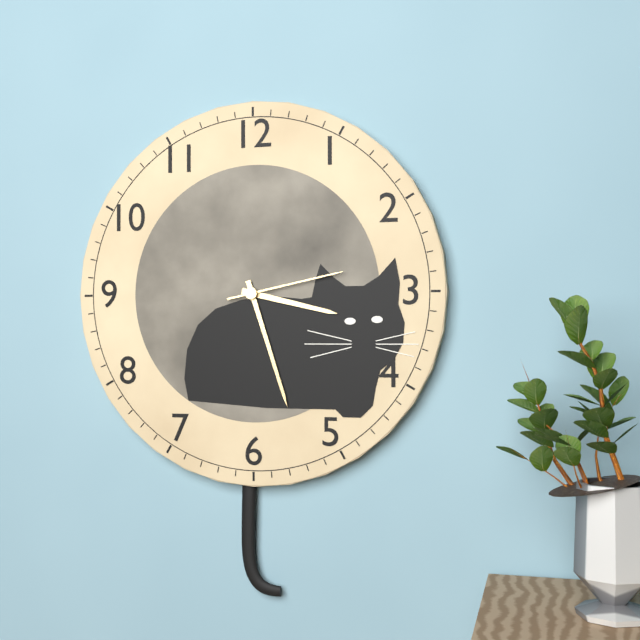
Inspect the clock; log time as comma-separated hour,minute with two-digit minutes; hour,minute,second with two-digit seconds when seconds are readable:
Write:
3,27,13
